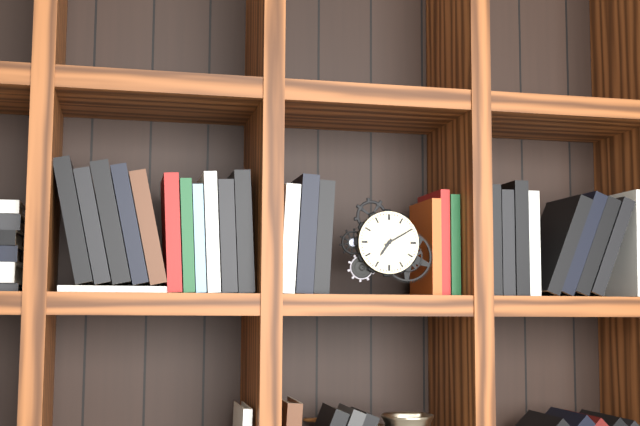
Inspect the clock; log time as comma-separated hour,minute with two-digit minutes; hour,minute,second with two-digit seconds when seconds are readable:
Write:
7,10
